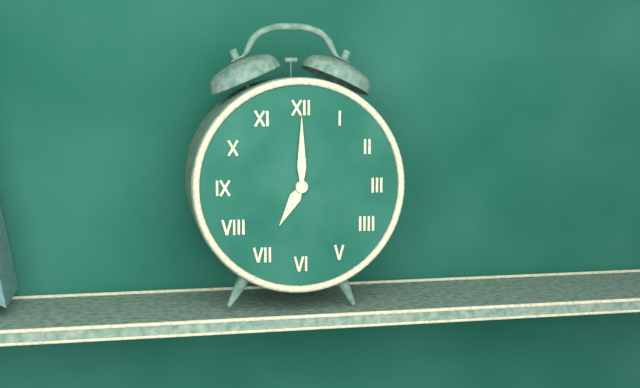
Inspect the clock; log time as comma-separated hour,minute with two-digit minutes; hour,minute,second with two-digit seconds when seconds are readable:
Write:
7,00
